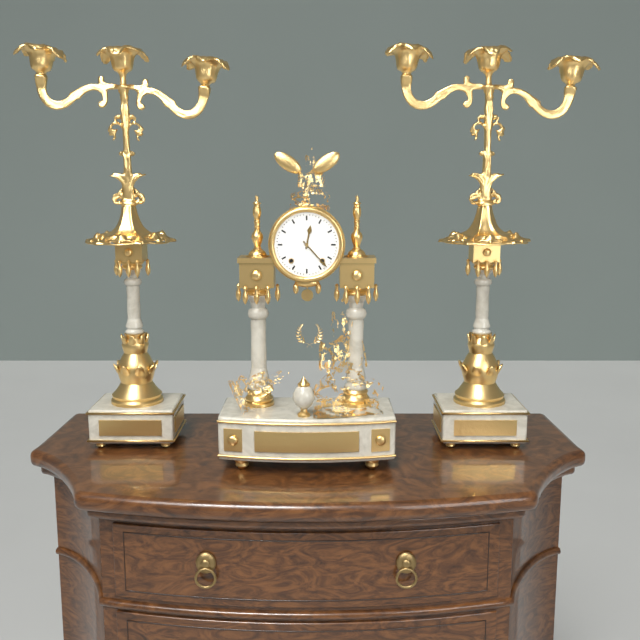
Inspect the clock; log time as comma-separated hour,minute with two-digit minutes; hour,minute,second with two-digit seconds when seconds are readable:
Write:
12,23
